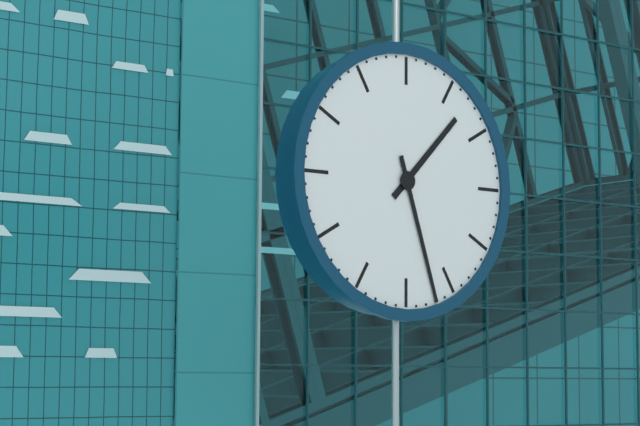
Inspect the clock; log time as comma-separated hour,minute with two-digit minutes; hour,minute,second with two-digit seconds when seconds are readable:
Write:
1,27
